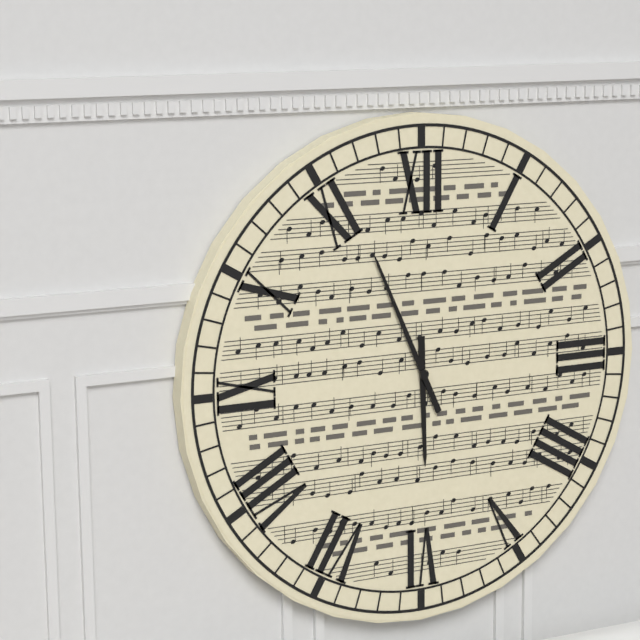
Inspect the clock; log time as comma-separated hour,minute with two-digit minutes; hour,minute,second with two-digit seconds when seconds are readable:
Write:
5,56
